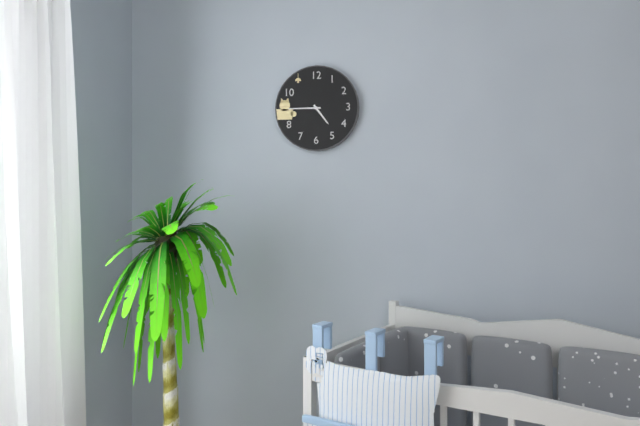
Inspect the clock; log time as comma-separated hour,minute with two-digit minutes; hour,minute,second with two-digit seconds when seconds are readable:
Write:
4,45
